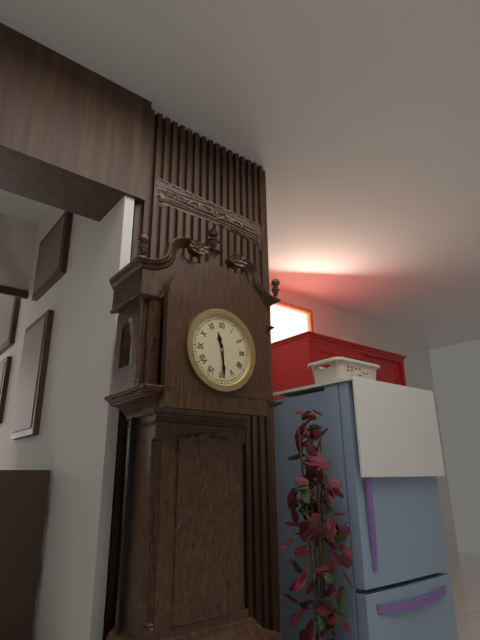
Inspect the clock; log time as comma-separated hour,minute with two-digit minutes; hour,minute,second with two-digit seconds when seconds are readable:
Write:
11,29
